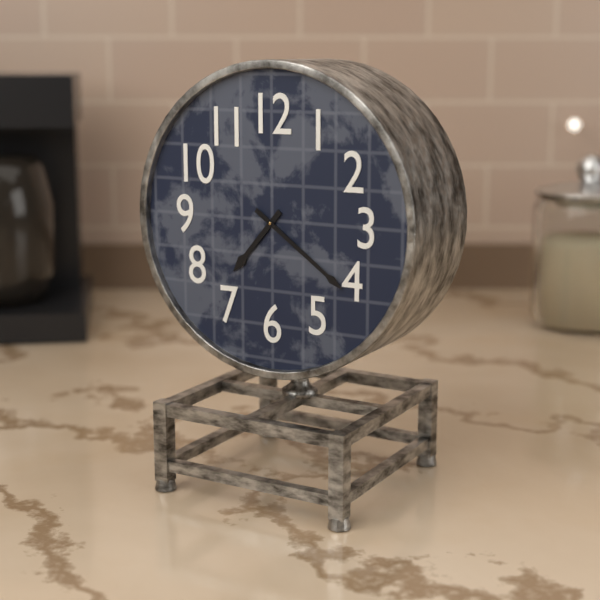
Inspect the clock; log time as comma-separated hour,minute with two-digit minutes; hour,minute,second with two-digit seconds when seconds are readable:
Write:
7,21
